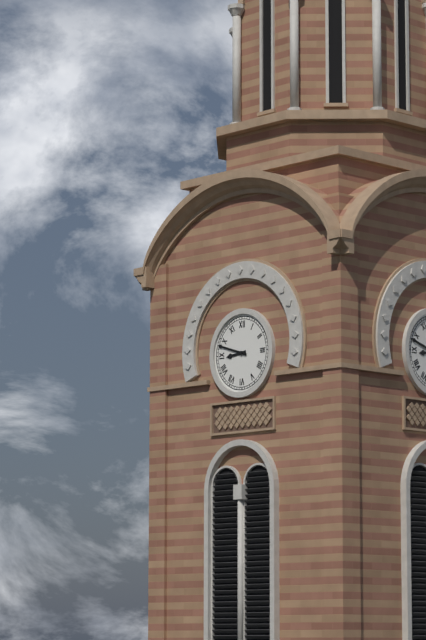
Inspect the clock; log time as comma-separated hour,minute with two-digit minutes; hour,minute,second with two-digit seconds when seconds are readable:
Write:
8,48
